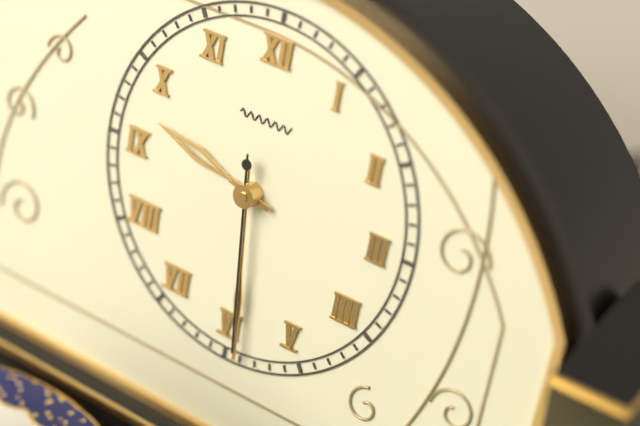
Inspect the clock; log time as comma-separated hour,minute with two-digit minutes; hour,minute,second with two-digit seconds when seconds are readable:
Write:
9,29,29
